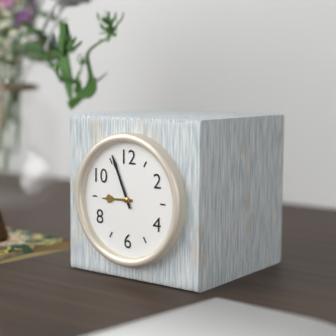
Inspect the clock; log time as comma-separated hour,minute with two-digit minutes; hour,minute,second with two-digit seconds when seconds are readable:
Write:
8,56
